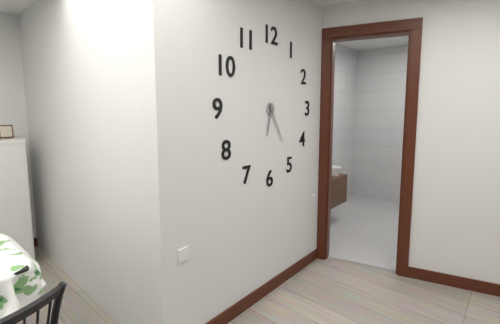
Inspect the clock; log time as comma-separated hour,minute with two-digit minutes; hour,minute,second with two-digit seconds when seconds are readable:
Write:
6,25
